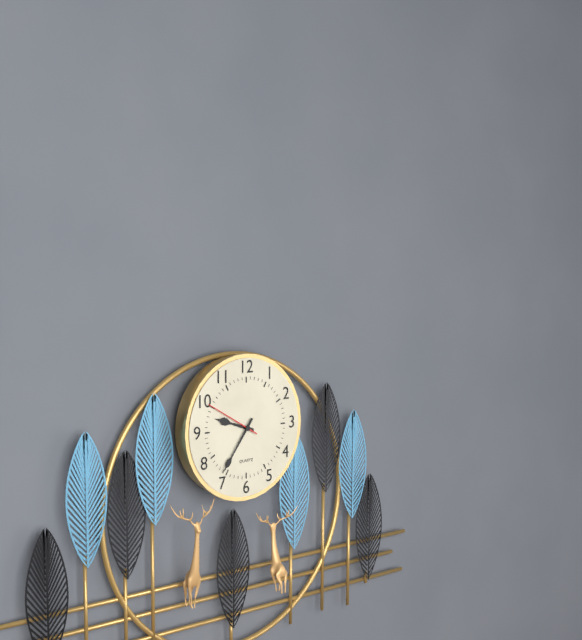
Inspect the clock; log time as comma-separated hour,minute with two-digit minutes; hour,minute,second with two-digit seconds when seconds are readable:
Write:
9,36,50
